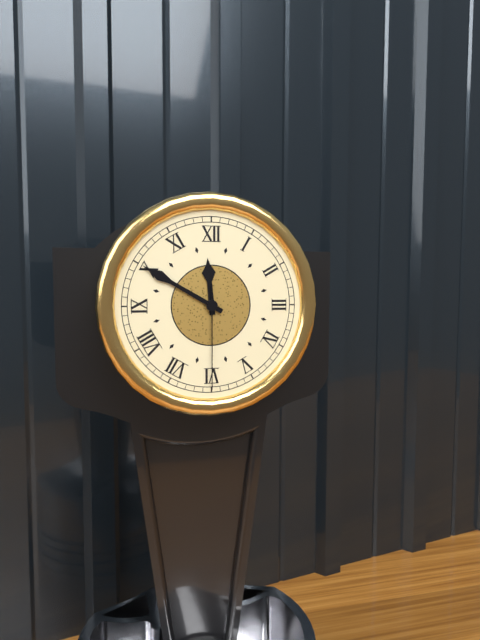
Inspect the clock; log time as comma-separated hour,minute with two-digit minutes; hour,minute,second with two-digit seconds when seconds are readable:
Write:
11,50,30
